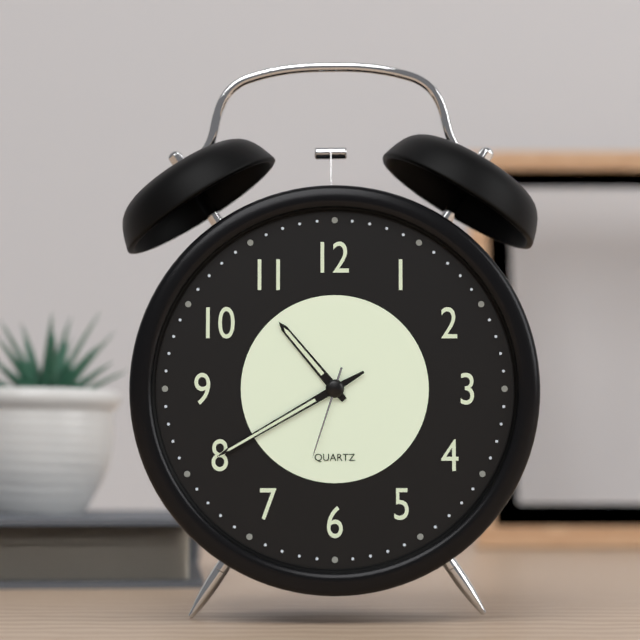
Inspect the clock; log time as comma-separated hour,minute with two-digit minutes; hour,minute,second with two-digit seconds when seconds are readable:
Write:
10,40,33
